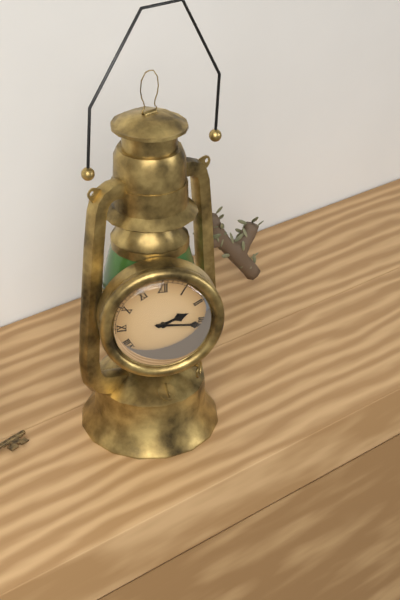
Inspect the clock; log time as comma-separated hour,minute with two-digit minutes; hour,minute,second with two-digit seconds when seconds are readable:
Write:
2,16
